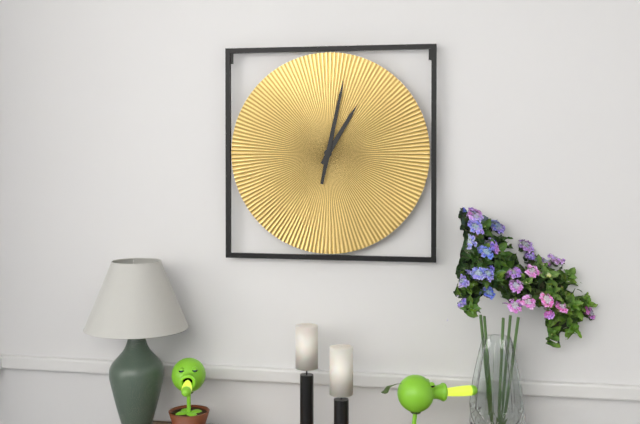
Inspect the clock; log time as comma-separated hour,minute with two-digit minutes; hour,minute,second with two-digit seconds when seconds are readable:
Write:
1,02
